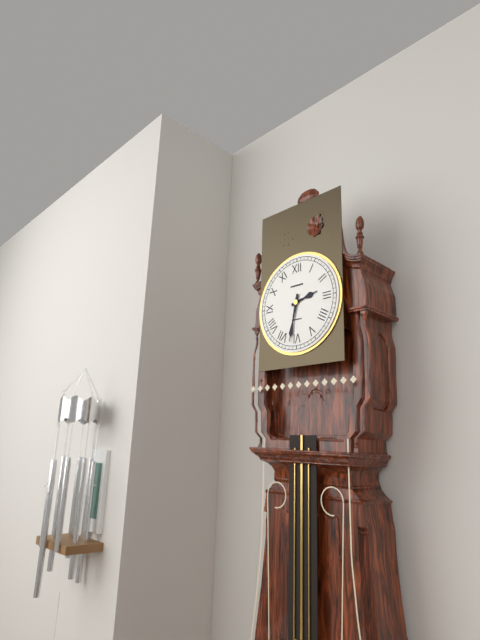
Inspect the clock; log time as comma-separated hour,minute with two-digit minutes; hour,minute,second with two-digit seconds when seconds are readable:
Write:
2,32
